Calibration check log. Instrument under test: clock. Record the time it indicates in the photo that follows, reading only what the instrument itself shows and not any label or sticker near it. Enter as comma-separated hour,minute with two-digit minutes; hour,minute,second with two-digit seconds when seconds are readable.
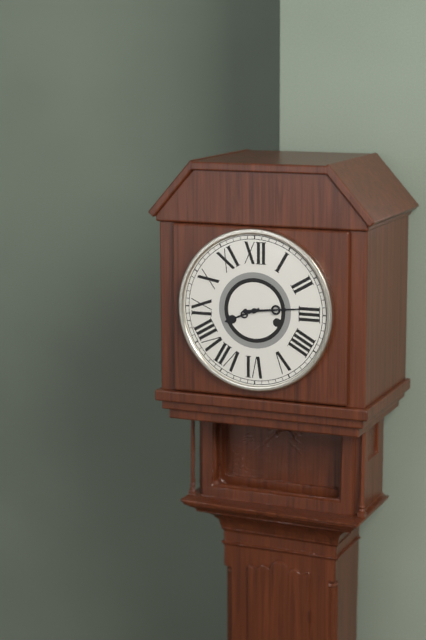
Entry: 8,14
